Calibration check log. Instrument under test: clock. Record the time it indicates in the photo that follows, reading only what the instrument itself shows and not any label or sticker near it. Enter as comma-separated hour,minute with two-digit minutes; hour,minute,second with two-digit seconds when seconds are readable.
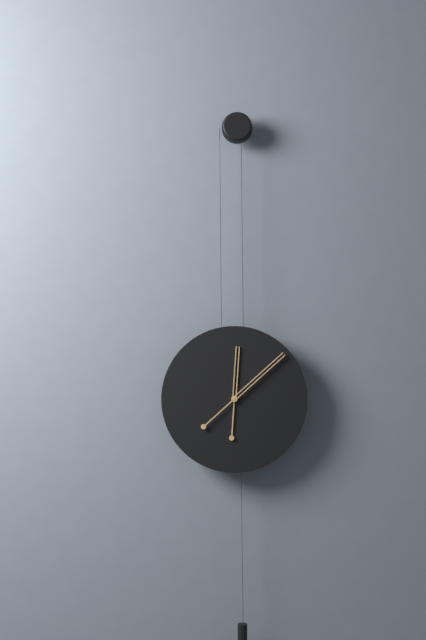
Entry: 12,08
